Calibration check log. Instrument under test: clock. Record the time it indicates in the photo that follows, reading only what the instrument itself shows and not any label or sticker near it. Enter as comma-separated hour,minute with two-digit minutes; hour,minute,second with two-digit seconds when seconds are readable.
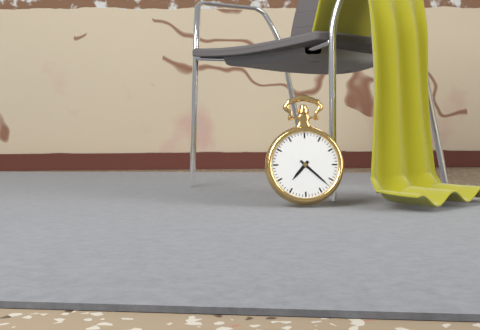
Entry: 7,22
